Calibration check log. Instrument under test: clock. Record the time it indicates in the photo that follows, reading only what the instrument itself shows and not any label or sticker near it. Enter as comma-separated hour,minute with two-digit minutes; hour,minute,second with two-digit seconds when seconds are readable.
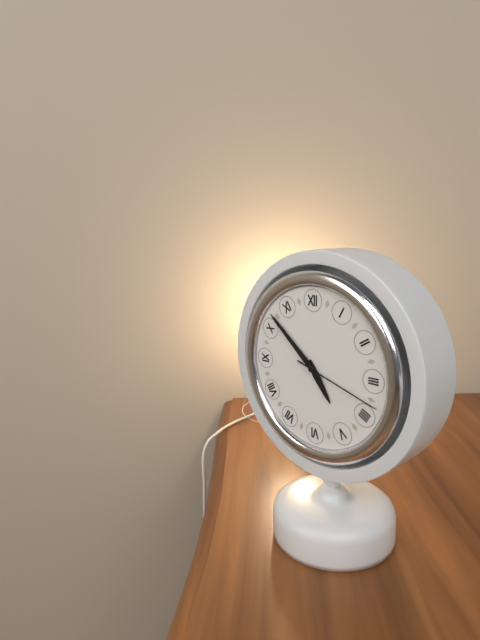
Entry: 4,52,18
